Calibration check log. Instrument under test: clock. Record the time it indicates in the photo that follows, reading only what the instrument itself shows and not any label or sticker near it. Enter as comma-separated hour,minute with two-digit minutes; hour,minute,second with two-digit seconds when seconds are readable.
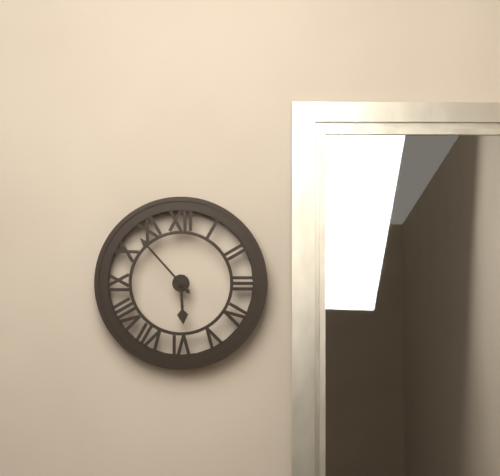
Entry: 5,53
